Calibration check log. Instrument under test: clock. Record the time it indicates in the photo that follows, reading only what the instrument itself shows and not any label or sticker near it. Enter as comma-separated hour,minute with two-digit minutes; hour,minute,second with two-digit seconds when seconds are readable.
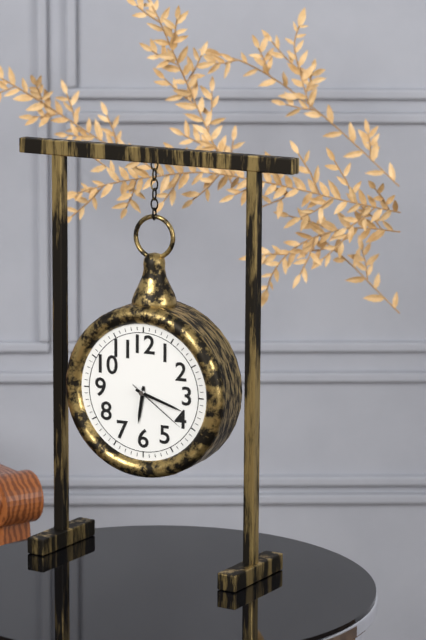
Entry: 6,18,21
